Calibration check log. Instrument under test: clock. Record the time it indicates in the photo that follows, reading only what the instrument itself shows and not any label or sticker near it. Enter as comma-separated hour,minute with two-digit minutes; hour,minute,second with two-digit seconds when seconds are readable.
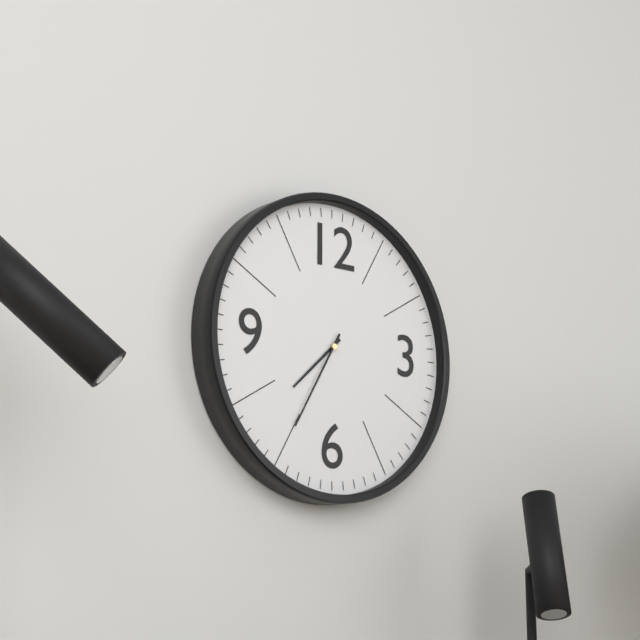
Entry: 7,35
